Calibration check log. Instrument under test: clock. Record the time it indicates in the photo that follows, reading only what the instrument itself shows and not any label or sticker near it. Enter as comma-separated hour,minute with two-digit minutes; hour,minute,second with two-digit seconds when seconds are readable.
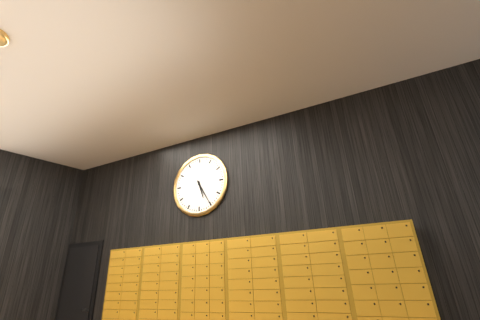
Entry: 5,25
